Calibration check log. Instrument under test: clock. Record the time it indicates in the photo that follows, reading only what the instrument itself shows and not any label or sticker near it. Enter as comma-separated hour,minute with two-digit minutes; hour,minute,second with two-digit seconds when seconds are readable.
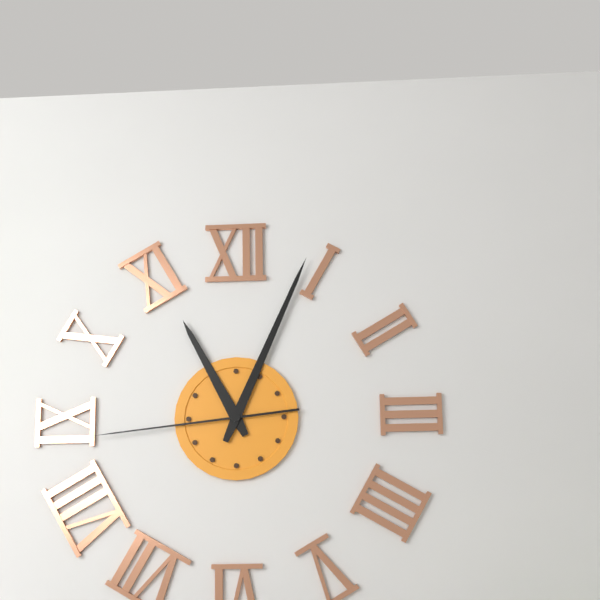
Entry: 11,04,44
